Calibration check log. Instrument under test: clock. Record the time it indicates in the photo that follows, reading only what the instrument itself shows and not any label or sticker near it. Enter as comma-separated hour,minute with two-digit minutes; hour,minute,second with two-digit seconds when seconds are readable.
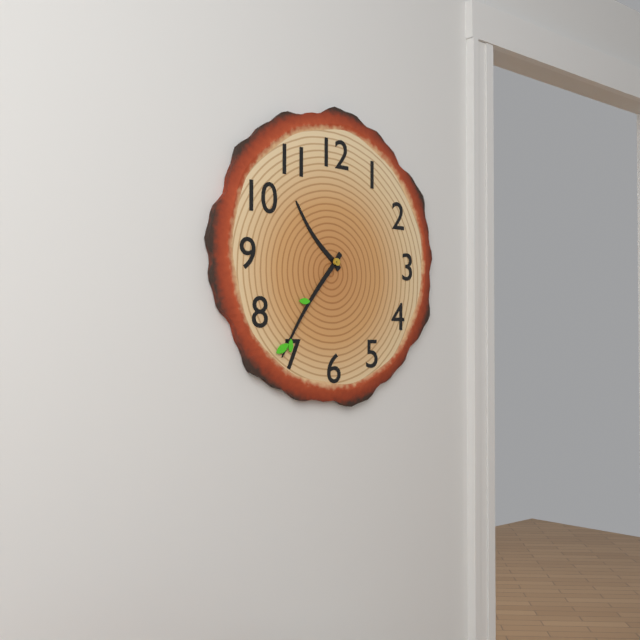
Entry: 10,36
